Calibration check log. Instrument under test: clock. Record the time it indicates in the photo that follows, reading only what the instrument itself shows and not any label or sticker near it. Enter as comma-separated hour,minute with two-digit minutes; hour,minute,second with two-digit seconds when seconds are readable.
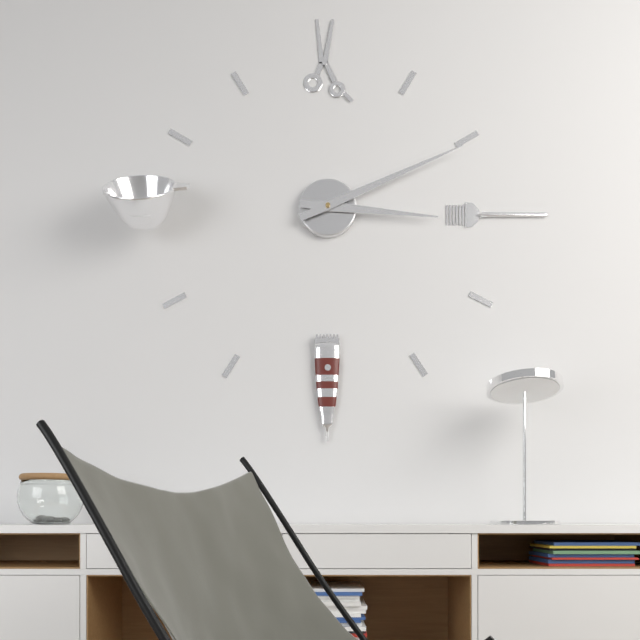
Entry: 3,11
